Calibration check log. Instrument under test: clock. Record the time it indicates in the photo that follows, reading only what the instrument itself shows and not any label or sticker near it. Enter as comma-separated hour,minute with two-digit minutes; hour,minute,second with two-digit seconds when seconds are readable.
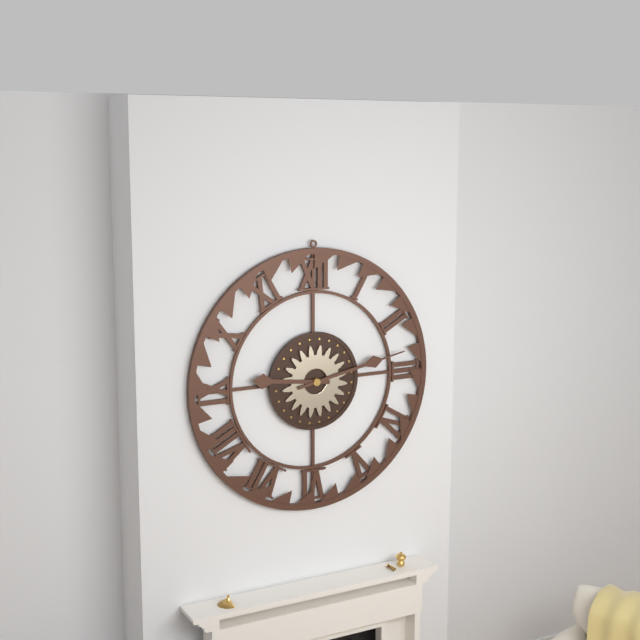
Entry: 9,13
